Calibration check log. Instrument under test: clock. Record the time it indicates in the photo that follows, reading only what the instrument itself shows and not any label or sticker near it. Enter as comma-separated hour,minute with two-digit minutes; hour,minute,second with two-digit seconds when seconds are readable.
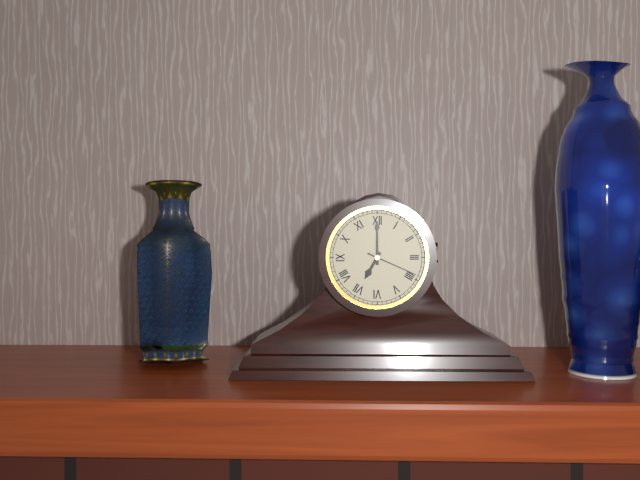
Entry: 7,00,19
